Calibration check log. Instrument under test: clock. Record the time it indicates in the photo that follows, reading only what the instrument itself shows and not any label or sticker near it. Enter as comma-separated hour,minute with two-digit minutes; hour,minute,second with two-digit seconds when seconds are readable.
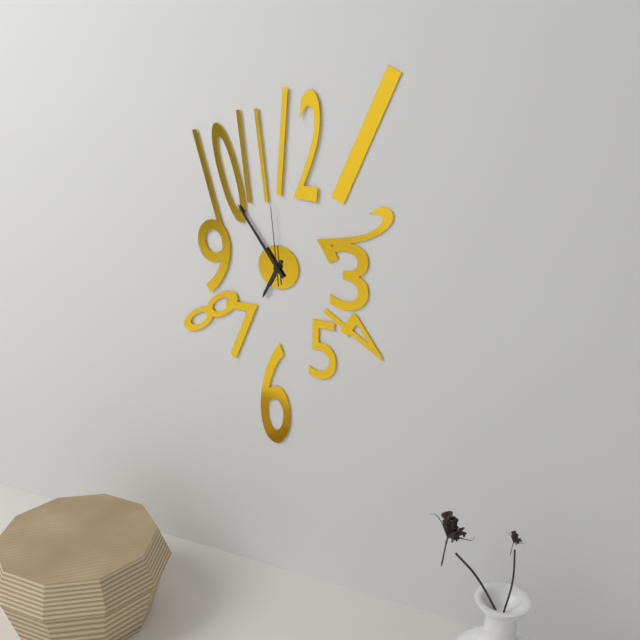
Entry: 6,54,59
